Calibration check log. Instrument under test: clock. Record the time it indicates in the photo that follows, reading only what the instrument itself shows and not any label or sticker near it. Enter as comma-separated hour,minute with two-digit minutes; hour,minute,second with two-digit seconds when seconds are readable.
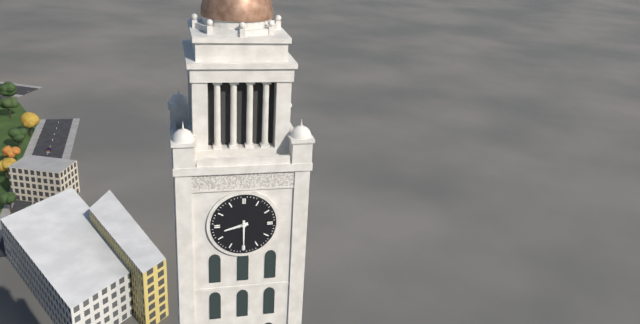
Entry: 8,30
